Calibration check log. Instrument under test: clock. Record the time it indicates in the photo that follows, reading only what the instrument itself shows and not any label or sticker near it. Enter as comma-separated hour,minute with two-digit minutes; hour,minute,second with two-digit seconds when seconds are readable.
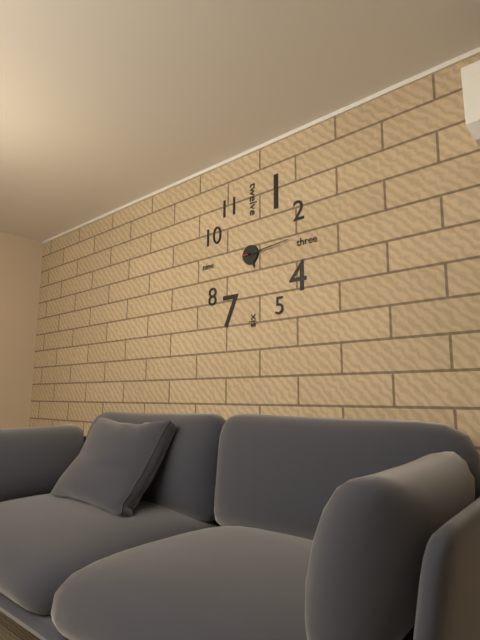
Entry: 5,14
